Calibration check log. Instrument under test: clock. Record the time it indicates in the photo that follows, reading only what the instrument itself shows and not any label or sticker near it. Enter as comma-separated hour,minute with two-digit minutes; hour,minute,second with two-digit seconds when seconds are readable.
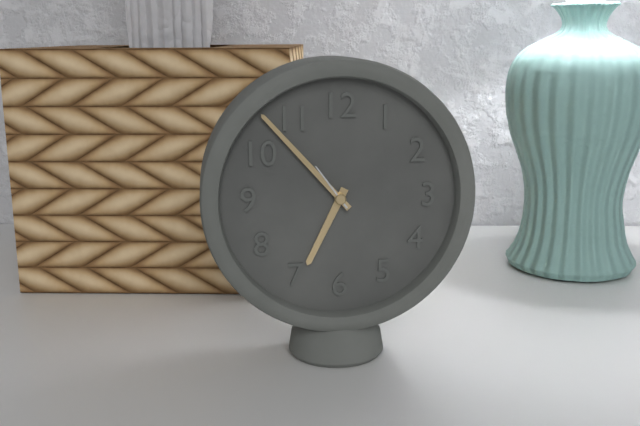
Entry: 6,53,54
